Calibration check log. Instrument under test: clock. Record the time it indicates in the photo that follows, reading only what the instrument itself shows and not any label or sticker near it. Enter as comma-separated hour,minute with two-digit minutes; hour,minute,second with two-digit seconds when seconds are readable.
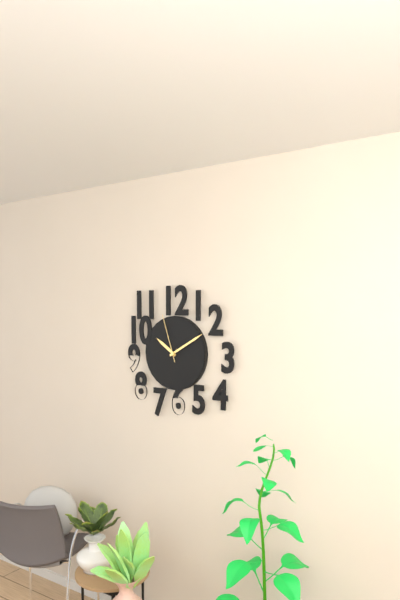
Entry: 10,10,57
